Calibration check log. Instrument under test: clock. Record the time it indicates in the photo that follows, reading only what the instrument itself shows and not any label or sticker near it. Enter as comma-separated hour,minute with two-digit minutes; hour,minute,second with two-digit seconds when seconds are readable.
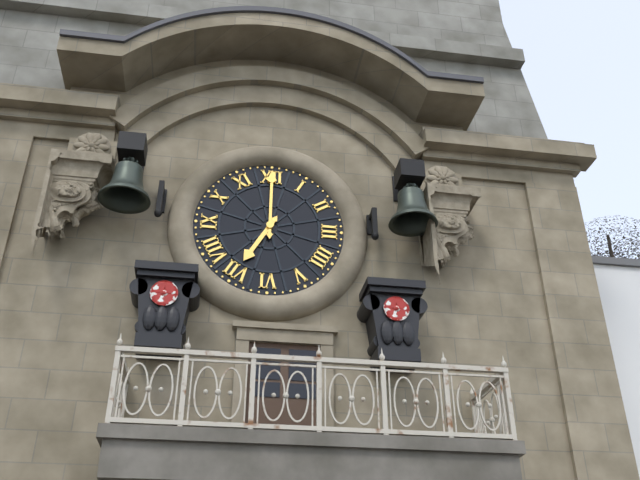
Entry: 7,00
